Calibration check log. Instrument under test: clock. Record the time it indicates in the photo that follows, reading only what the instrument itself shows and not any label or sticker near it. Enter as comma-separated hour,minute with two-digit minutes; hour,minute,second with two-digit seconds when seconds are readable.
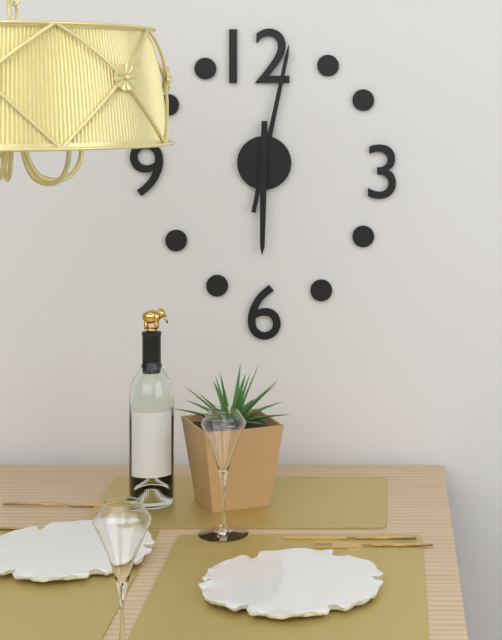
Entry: 6,02
